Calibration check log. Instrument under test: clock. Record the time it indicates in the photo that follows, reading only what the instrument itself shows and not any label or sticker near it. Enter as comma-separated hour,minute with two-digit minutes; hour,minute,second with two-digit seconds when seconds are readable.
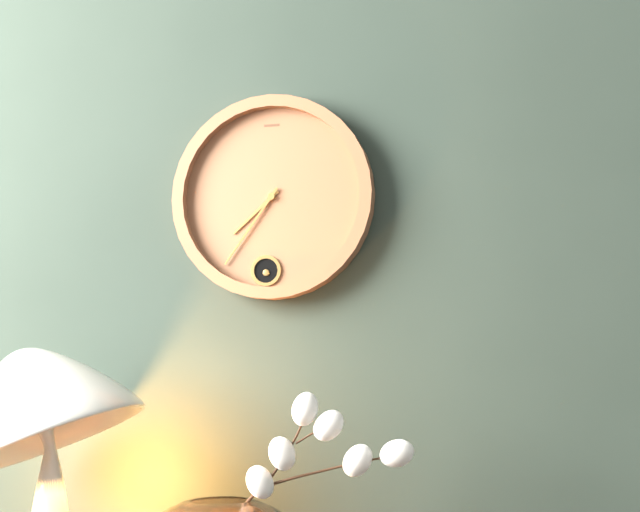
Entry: 7,36
